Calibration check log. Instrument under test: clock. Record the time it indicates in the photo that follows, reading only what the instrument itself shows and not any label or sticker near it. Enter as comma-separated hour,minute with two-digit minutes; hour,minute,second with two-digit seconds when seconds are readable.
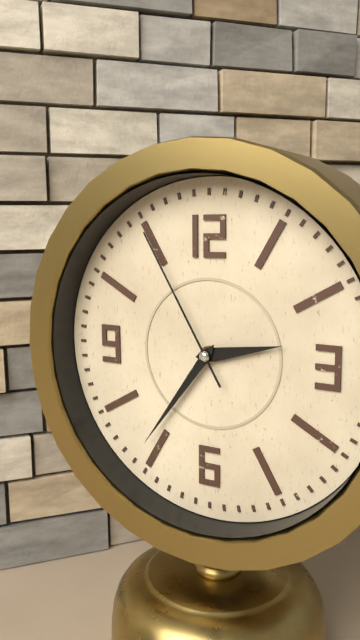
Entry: 2,36,55
